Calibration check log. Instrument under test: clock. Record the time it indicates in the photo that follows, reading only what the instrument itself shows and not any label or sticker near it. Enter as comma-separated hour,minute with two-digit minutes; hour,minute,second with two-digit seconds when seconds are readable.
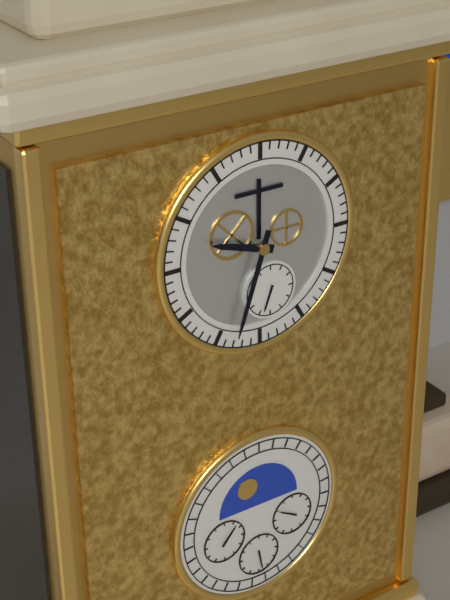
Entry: 9,33
